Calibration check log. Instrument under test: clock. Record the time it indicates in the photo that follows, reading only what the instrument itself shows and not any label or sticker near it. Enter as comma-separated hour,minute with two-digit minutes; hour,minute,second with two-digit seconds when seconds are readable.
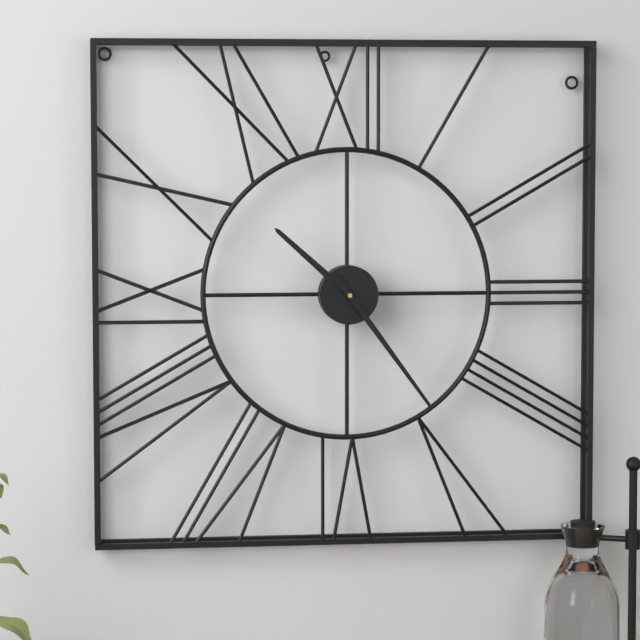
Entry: 10,24
